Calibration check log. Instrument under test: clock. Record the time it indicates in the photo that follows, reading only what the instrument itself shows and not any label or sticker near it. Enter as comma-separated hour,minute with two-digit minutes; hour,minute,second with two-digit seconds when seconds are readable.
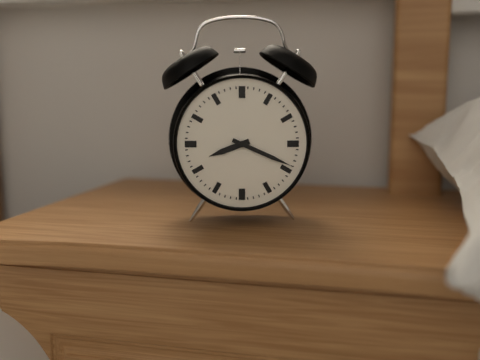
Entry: 8,19
